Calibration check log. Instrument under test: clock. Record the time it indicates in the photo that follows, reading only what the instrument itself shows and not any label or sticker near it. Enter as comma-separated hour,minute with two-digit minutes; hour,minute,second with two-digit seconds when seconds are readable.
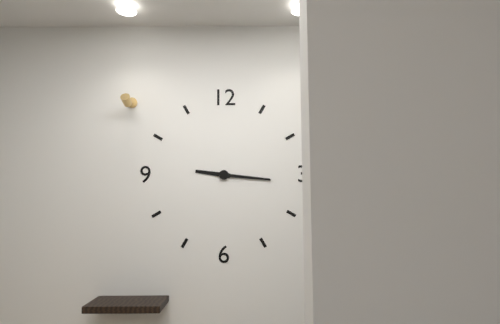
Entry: 9,16
